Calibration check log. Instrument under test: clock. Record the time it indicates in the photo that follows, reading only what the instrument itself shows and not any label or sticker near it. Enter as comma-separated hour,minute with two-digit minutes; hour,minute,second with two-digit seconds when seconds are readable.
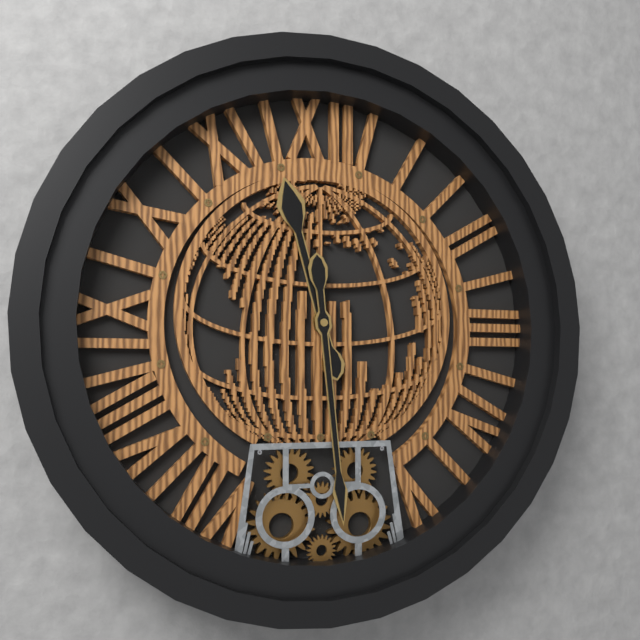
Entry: 11,29
